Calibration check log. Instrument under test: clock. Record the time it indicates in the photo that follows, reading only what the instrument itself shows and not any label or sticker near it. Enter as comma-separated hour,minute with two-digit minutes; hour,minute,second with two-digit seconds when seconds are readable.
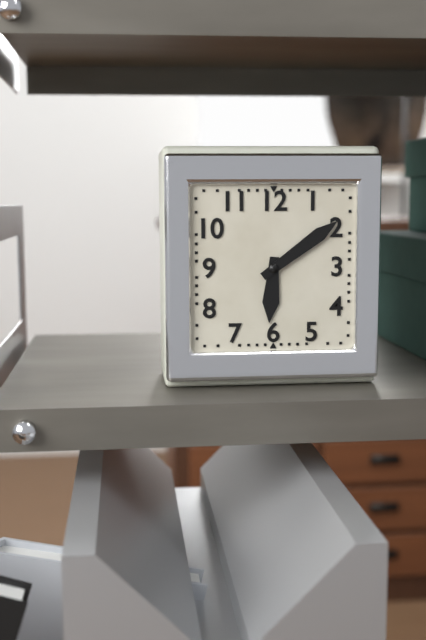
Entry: 6,09
